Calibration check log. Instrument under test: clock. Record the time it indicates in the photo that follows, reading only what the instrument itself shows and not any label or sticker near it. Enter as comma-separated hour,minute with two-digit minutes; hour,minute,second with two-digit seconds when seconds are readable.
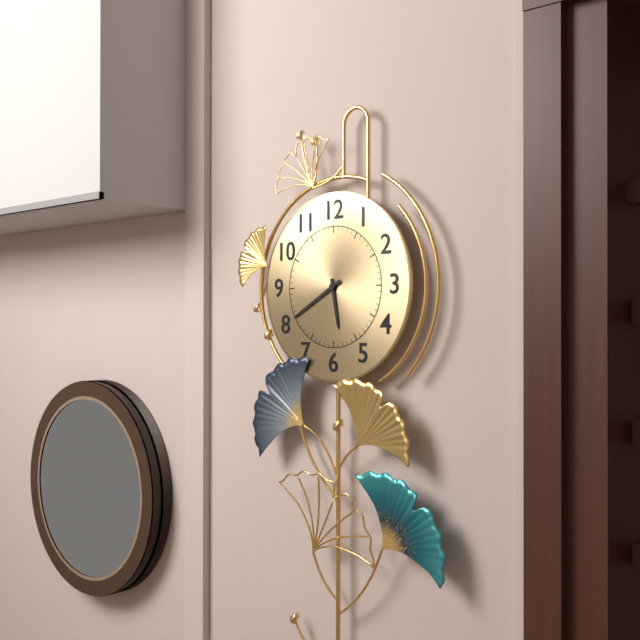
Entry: 5,40
